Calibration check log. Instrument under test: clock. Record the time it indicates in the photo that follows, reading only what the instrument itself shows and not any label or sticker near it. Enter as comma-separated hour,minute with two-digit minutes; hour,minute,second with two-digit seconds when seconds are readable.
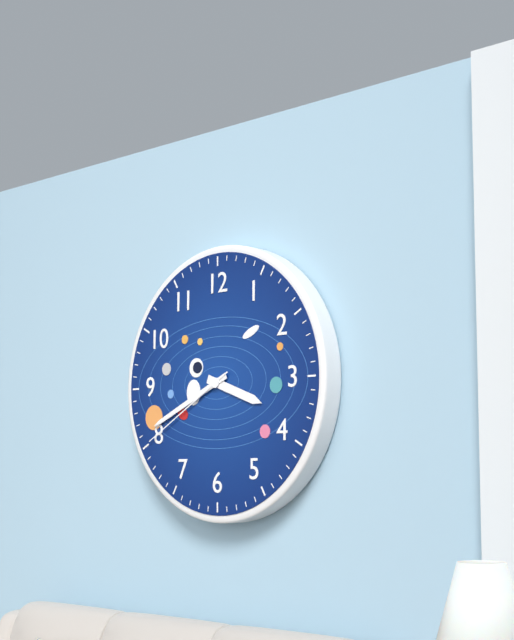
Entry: 3,41,40
